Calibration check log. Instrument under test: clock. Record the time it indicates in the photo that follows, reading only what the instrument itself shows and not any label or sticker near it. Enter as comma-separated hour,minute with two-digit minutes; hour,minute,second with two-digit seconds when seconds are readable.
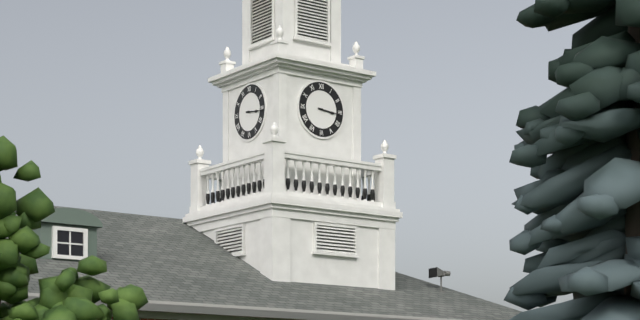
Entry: 3,16
